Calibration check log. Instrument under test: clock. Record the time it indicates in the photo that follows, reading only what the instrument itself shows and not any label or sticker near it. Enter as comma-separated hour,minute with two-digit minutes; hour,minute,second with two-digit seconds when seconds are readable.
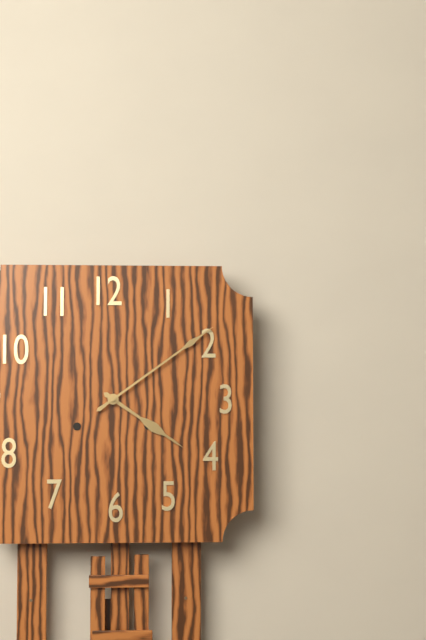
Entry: 4,09
